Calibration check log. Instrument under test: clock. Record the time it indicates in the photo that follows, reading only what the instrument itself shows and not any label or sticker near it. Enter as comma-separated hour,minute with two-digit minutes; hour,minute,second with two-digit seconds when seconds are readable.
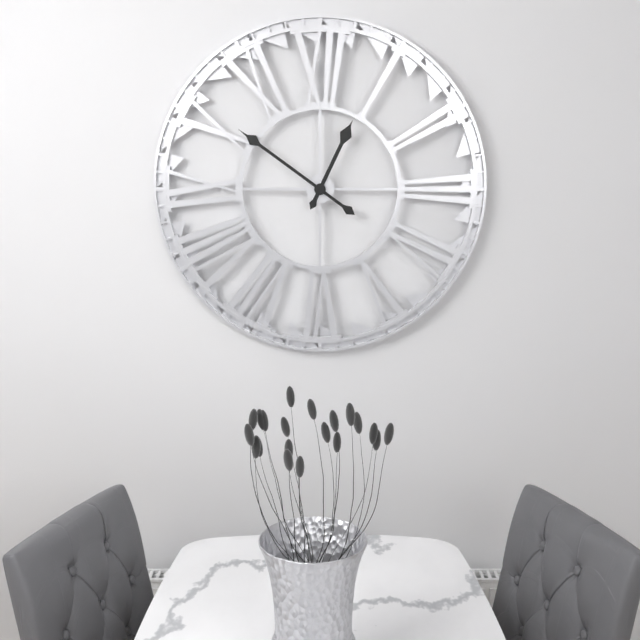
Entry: 12,51
